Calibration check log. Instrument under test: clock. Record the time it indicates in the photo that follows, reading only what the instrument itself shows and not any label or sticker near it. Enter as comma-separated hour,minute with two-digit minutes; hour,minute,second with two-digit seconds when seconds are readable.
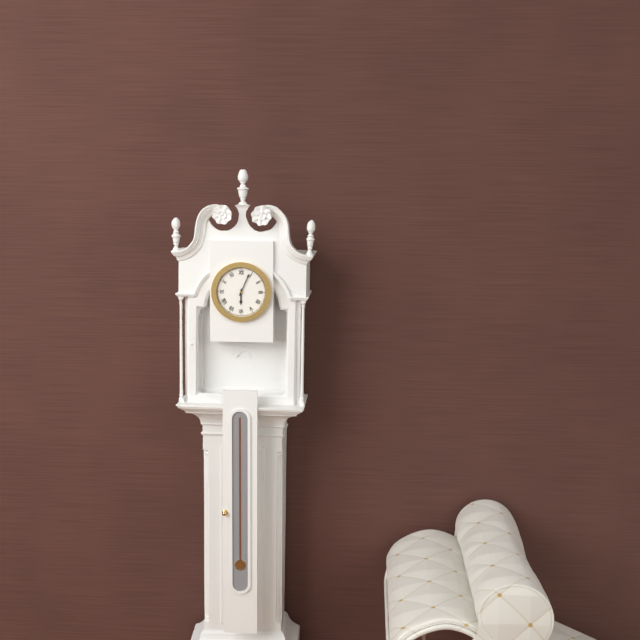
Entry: 6,04
